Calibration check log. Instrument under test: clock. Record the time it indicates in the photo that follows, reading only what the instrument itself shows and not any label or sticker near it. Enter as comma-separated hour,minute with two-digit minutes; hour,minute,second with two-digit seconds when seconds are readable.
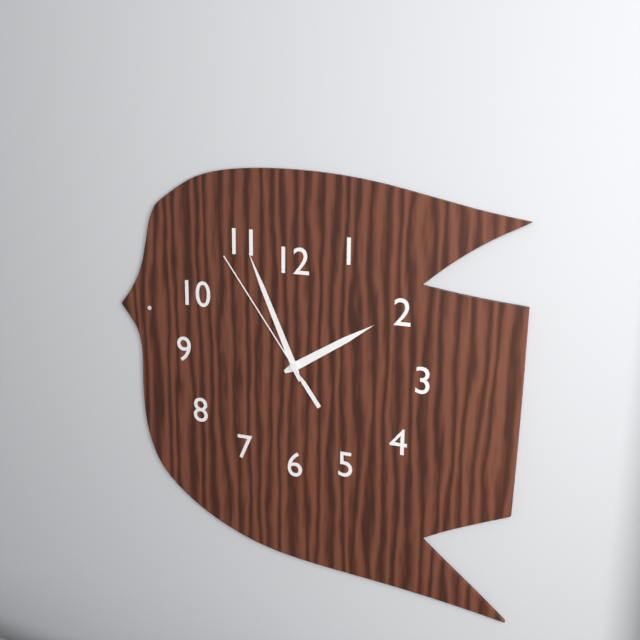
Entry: 1,56,54
